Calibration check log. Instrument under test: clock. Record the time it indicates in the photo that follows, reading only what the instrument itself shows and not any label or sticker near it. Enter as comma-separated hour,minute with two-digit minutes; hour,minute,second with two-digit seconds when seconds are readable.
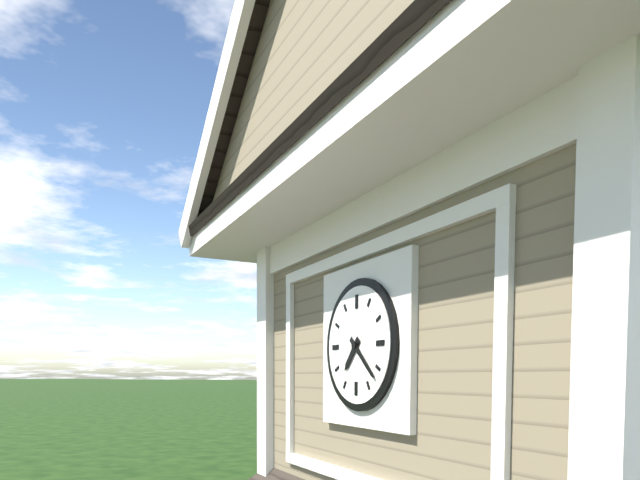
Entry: 7,22
